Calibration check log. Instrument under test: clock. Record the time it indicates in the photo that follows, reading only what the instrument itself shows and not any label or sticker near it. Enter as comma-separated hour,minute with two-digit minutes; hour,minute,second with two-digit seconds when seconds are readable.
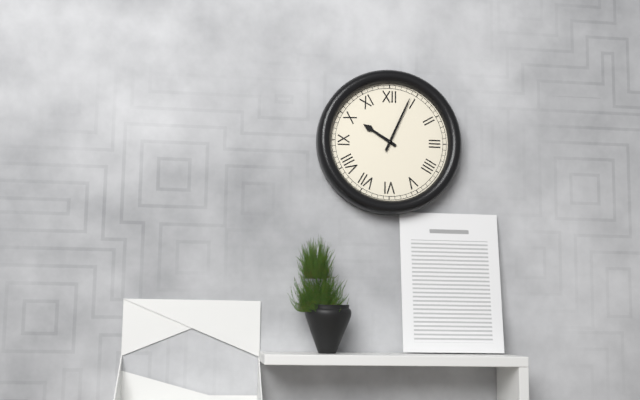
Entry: 10,04
